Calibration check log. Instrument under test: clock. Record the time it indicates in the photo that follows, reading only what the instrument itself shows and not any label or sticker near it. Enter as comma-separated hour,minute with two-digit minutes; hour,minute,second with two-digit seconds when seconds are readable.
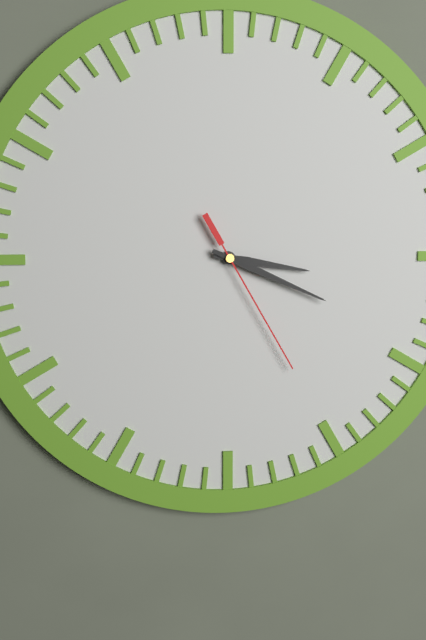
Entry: 3,19,25
